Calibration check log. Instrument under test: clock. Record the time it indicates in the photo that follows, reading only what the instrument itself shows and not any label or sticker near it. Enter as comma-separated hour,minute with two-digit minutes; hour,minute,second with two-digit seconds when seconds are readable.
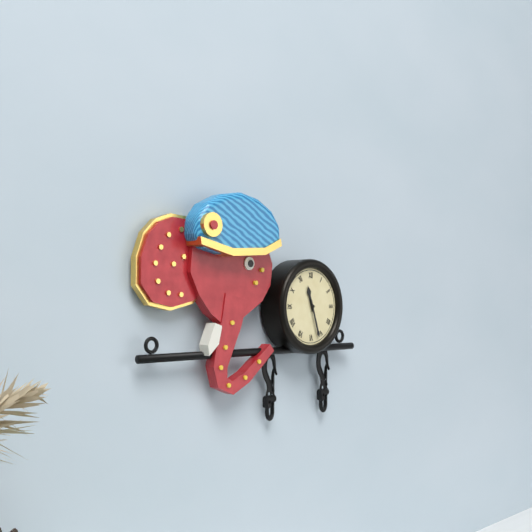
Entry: 11,27
